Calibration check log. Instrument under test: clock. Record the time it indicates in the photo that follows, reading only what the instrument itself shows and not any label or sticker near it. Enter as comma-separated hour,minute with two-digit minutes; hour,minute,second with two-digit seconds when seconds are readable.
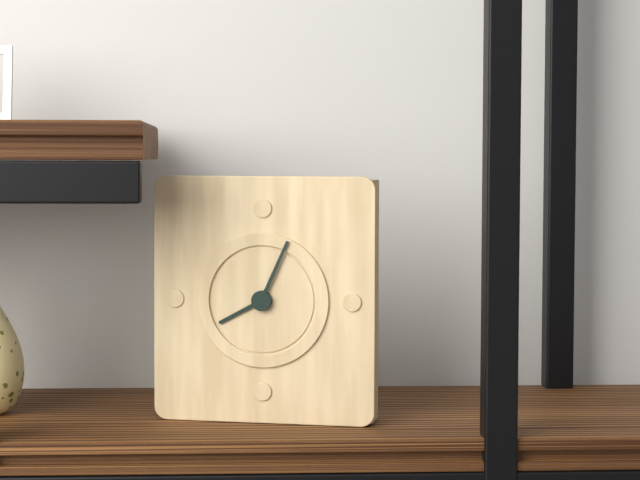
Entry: 8,04
